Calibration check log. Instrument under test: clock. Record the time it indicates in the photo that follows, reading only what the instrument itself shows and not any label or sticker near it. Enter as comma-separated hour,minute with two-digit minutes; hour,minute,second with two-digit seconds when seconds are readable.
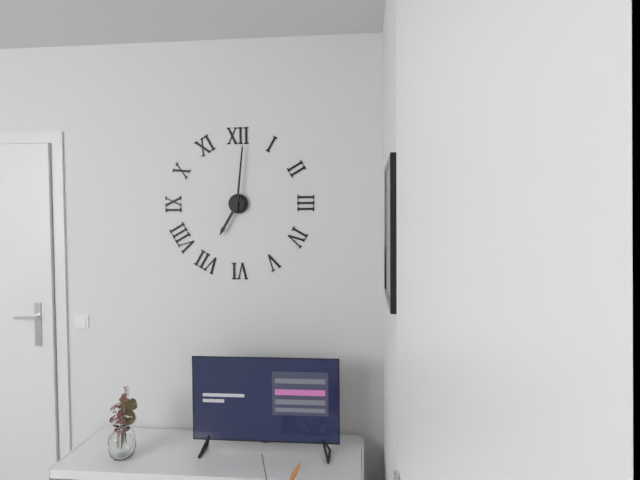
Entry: 7,01
